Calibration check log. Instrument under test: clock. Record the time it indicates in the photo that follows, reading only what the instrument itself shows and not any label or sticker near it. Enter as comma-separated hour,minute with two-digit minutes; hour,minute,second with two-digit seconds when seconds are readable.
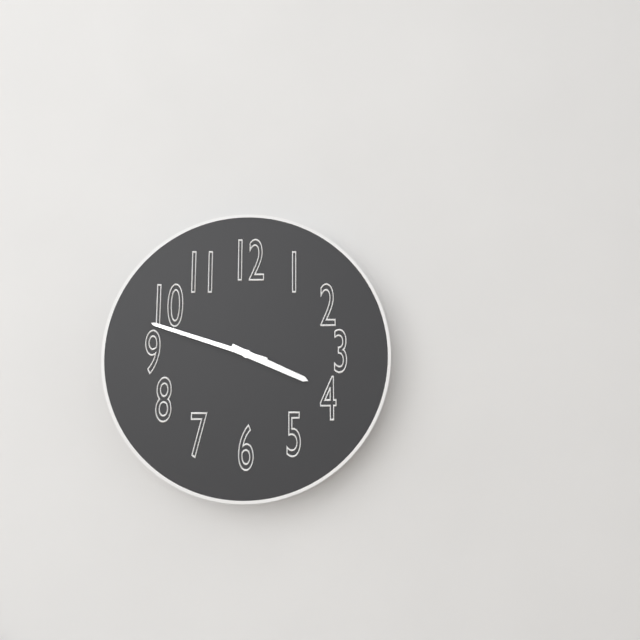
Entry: 3,48
